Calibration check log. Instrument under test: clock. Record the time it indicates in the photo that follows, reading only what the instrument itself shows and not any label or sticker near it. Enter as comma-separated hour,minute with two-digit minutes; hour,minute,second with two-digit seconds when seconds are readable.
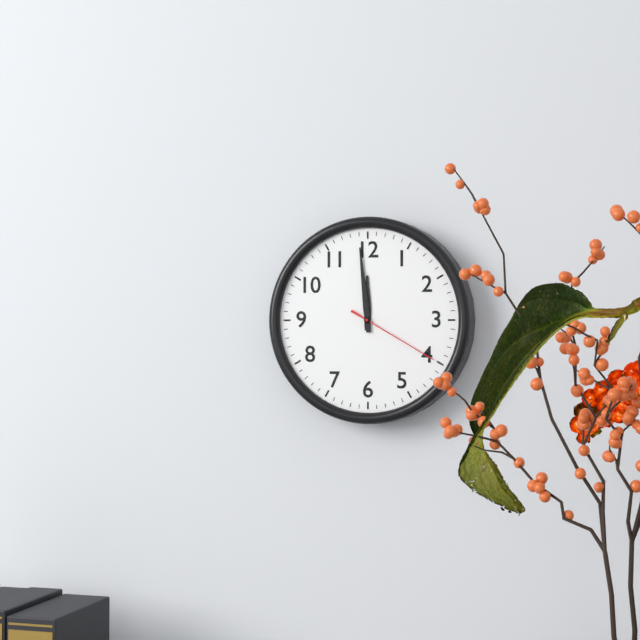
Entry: 11,59,20
